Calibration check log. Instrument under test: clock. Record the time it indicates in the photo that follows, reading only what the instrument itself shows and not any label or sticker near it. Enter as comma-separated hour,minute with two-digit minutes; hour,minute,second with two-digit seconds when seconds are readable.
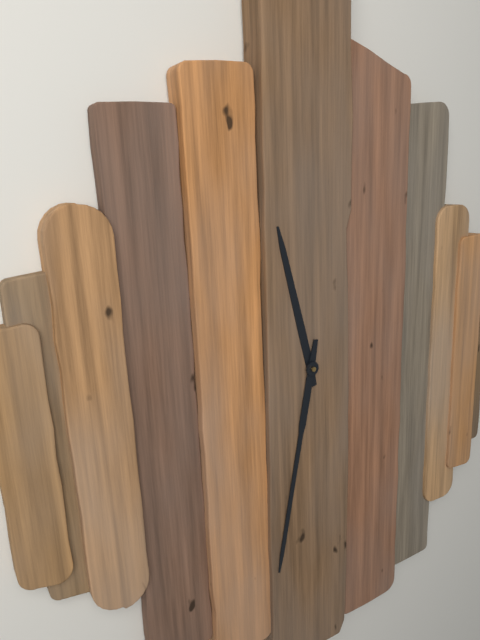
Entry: 11,32
